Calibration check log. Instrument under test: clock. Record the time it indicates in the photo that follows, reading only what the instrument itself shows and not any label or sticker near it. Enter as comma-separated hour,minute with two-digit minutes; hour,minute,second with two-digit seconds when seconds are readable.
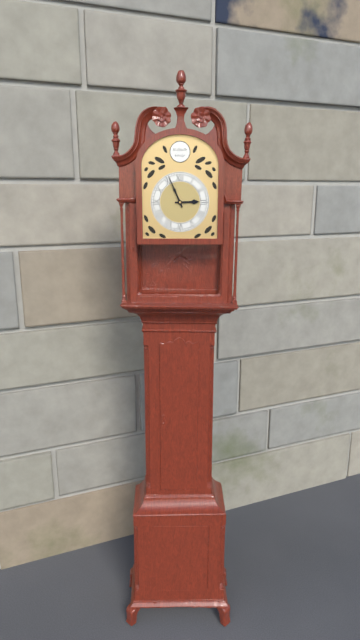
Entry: 2,56
